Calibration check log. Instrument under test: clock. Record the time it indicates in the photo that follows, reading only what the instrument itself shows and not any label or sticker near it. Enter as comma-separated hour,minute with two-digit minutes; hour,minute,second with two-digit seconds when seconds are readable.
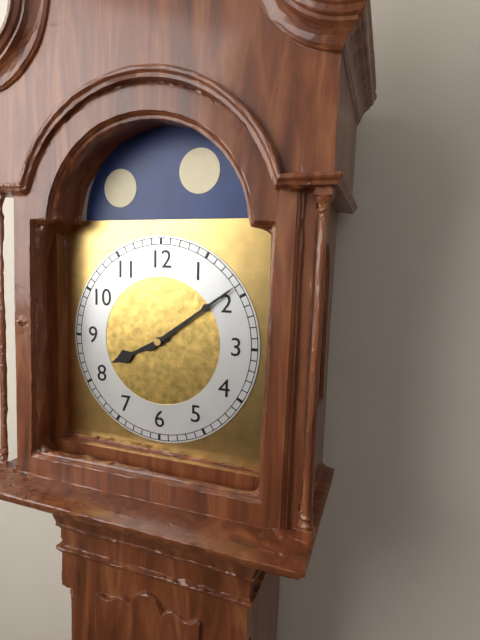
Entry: 8,09
